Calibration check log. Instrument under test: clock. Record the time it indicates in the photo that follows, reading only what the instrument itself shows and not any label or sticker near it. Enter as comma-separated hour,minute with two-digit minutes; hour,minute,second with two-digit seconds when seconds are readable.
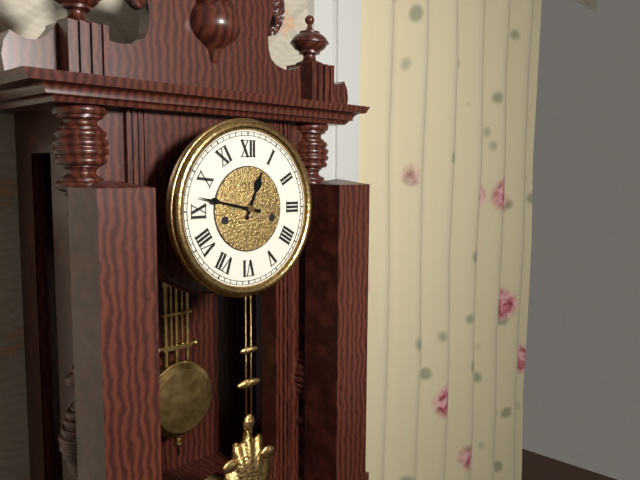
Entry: 12,47
